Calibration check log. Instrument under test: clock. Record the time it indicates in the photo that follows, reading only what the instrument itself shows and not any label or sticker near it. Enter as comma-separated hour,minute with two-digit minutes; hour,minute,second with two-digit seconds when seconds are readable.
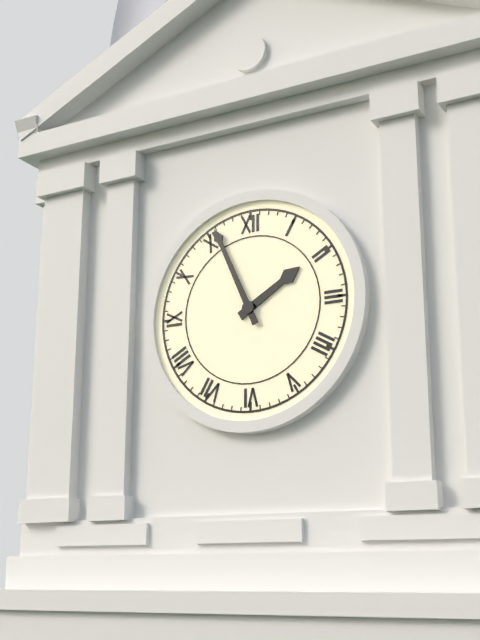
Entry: 1,56
